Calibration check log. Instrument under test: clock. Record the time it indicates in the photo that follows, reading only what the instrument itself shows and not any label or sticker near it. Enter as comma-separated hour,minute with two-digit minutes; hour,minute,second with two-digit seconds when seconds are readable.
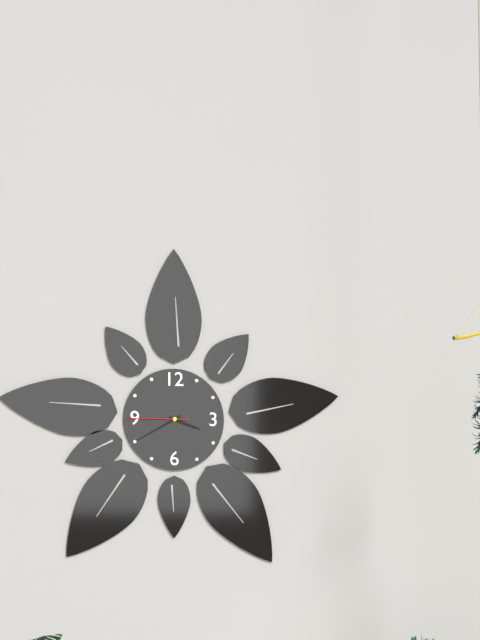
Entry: 3,40,45
